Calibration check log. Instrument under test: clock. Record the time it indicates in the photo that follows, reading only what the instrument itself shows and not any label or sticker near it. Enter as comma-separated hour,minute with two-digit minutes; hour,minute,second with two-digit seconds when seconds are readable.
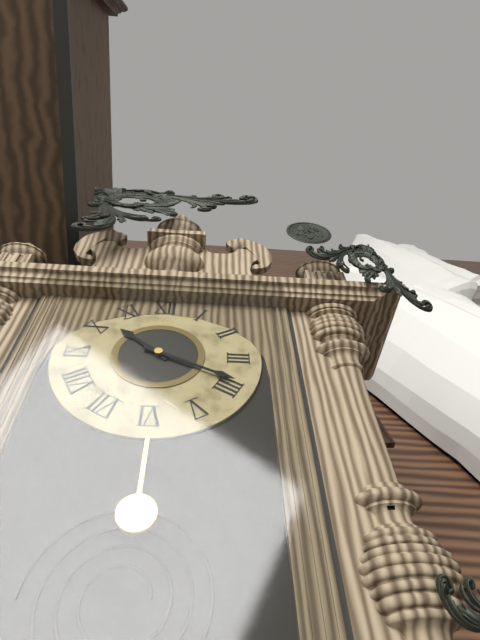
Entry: 10,19
